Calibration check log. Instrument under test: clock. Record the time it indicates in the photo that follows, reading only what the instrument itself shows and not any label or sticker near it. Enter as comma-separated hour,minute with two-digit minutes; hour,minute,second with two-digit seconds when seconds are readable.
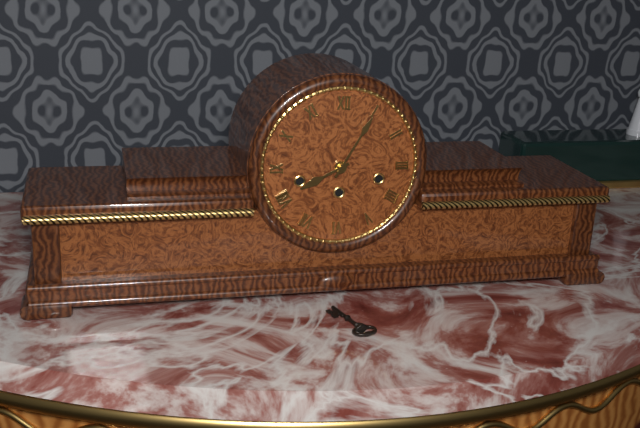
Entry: 8,05
